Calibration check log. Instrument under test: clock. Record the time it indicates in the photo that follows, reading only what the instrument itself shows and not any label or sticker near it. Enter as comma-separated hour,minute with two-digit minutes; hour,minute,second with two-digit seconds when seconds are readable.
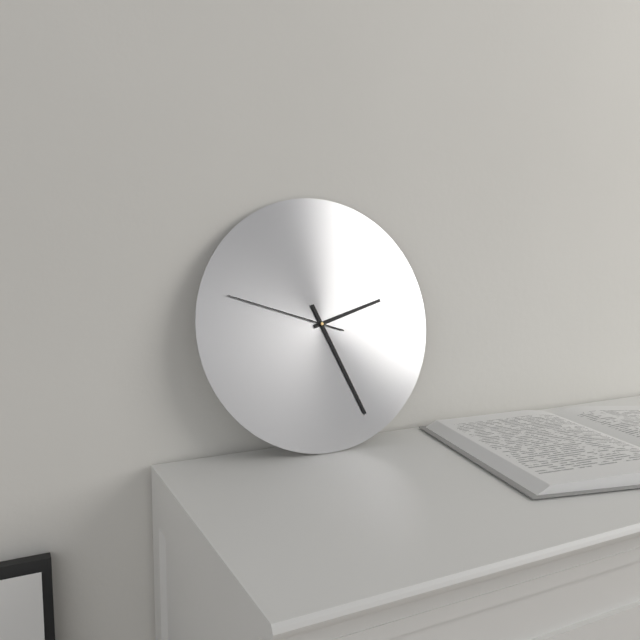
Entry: 2,26,48
